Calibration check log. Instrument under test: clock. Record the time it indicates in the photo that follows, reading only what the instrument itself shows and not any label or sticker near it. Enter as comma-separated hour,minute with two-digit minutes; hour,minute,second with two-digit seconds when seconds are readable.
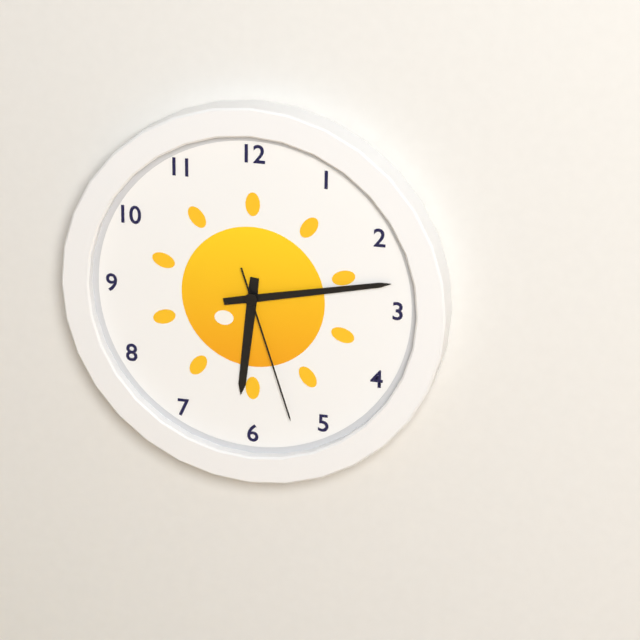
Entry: 6,13,27
